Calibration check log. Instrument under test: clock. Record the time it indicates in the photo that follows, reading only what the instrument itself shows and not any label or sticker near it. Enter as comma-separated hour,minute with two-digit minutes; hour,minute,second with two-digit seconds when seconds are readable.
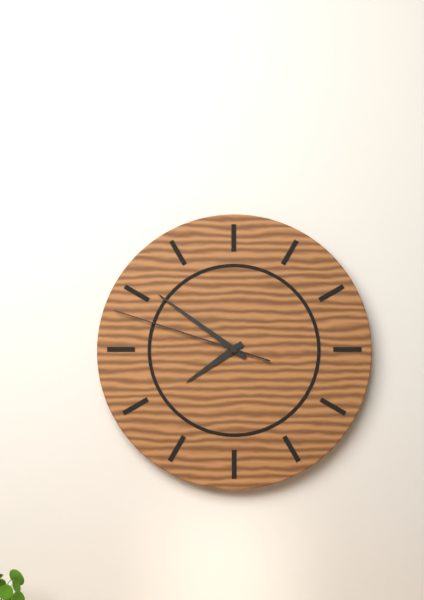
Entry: 7,51,48
